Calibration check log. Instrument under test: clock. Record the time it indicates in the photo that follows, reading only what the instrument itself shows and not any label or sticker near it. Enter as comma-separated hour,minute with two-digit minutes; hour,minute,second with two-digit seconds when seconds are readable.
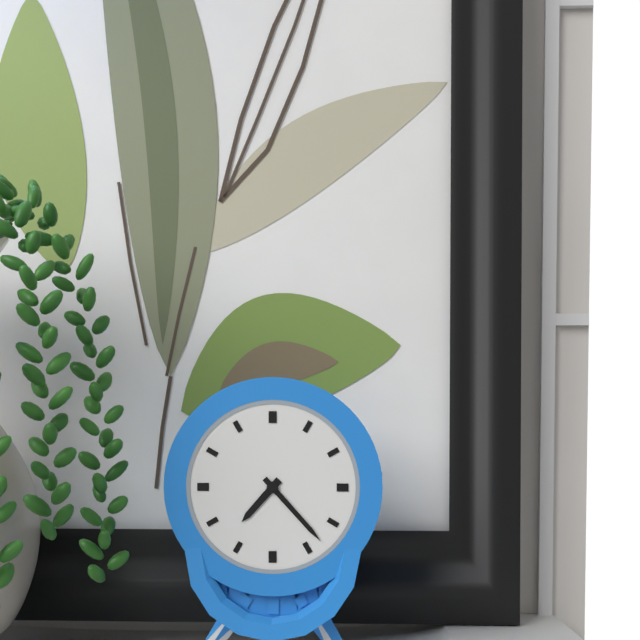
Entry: 7,23
